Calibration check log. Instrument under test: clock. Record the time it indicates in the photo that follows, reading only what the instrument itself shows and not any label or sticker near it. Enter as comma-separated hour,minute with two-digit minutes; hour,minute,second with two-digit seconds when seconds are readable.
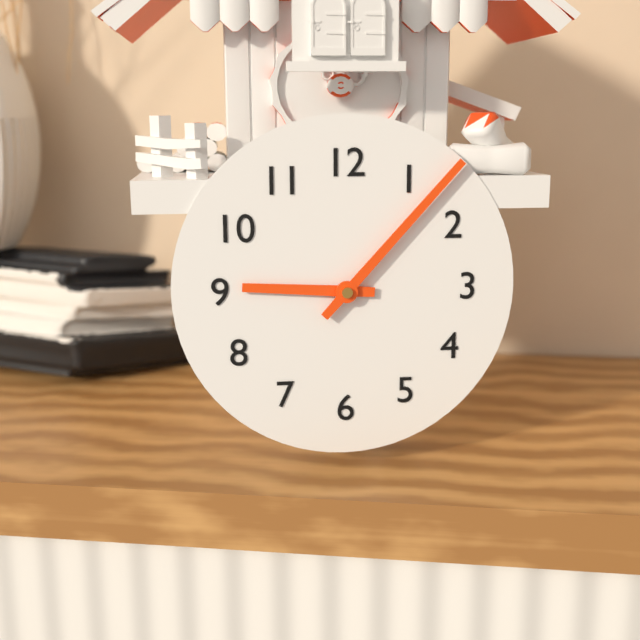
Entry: 9,07
